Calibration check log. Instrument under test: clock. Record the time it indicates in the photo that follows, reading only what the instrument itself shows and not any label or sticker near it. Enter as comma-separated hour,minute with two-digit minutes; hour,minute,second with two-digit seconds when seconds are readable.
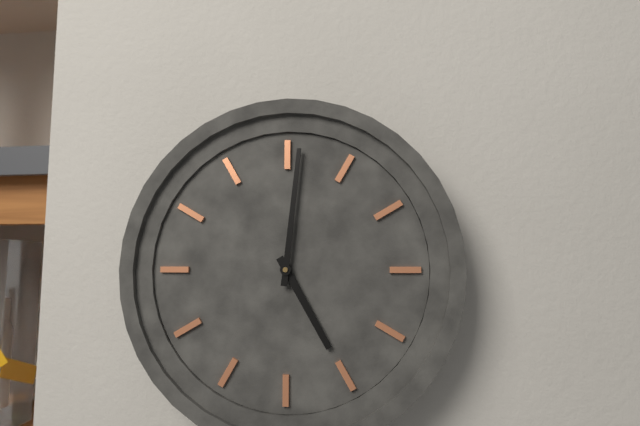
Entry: 5,01
